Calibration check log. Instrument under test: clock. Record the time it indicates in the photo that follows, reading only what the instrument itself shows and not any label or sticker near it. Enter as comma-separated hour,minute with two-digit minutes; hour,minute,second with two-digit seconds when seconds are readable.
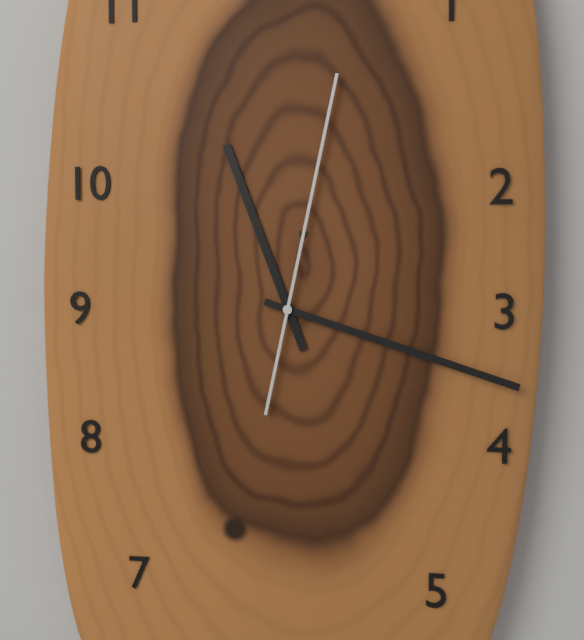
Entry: 11,18,02
